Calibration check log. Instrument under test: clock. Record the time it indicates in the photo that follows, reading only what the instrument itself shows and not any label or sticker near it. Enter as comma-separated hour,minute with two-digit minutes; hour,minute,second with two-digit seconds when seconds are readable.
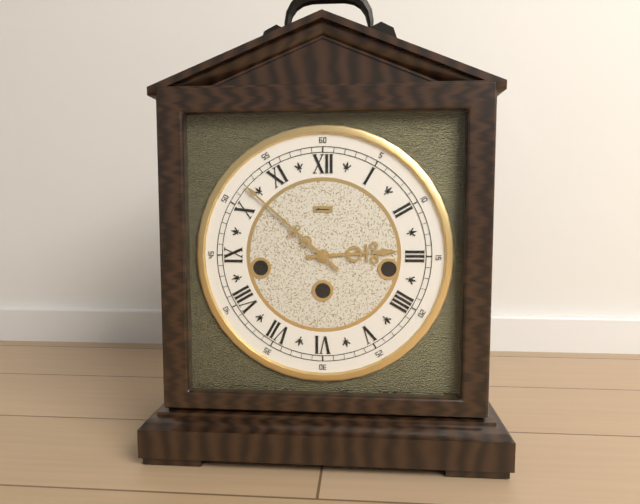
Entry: 2,52
